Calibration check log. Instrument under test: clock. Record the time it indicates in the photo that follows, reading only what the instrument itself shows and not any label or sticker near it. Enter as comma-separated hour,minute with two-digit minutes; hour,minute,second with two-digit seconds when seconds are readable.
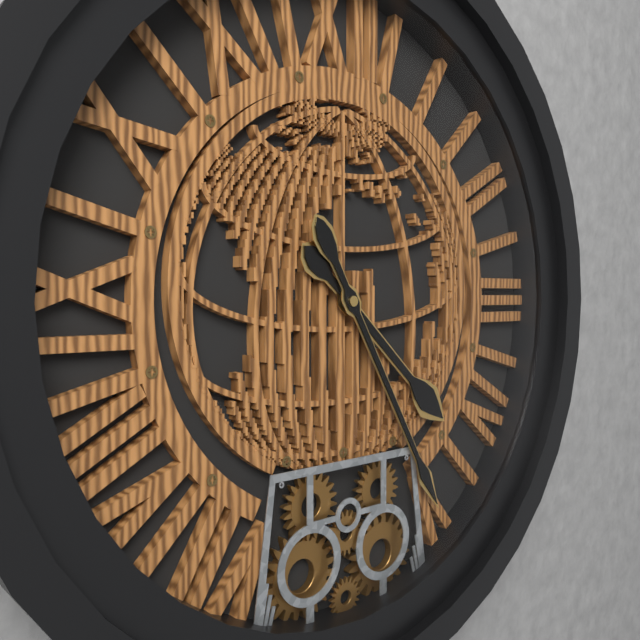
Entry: 4,25
